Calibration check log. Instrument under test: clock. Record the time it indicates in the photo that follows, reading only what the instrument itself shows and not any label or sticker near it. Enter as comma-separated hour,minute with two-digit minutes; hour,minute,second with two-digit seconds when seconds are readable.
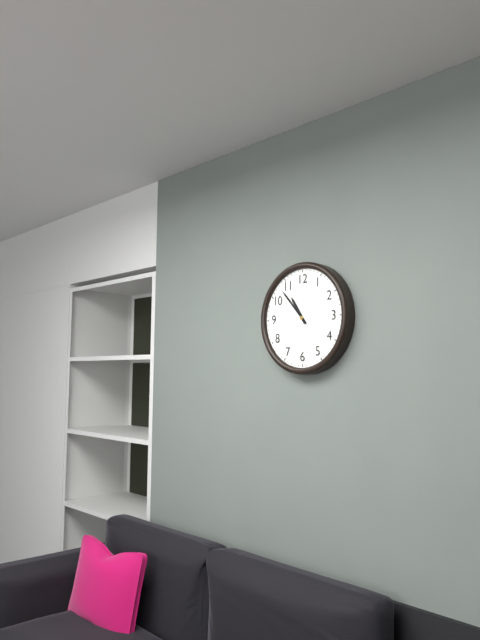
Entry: 10,53
